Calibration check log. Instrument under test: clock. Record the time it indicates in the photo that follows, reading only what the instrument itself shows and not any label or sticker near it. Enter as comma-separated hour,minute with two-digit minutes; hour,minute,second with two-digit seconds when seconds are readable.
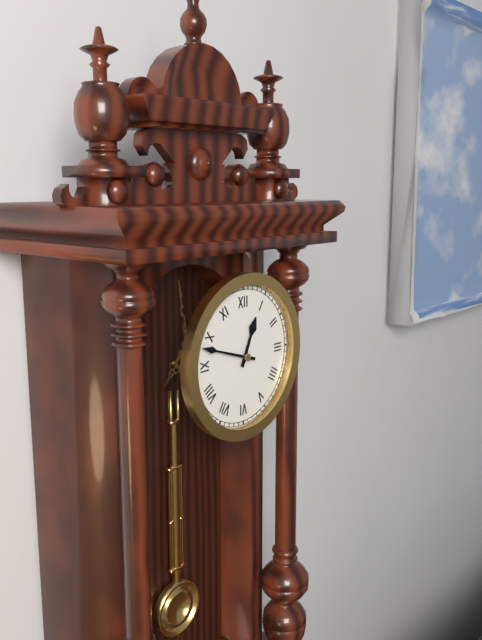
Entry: 12,48
